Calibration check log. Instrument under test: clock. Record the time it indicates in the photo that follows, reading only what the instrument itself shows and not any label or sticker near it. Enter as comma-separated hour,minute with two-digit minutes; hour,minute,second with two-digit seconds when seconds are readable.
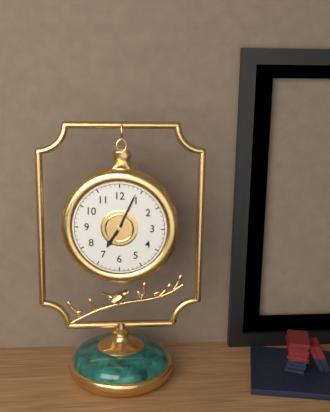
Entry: 7,04
